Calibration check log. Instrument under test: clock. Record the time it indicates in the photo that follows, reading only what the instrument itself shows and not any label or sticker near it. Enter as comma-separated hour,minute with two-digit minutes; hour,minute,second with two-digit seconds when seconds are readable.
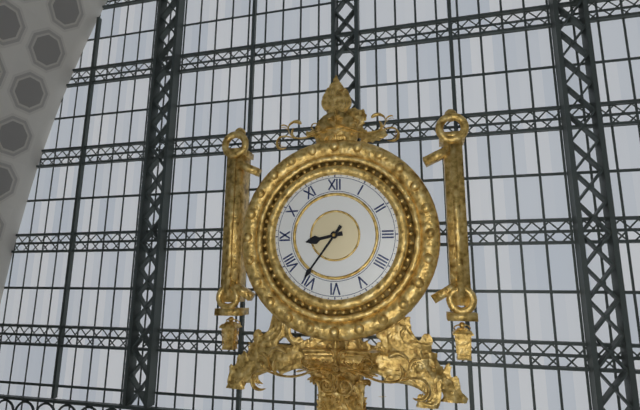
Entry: 8,36
